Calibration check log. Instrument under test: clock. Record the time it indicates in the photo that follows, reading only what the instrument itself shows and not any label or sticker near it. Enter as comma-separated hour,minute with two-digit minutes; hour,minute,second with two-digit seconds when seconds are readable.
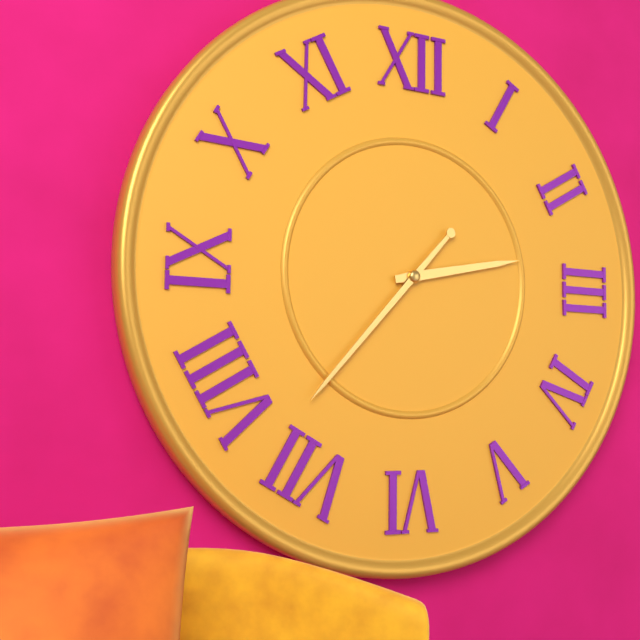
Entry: 2,37
